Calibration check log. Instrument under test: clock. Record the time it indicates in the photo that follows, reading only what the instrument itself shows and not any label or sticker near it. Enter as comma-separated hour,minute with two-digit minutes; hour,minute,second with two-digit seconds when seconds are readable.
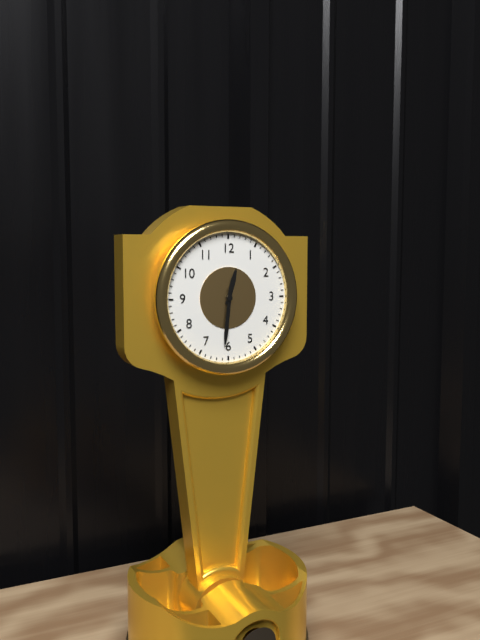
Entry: 12,31
